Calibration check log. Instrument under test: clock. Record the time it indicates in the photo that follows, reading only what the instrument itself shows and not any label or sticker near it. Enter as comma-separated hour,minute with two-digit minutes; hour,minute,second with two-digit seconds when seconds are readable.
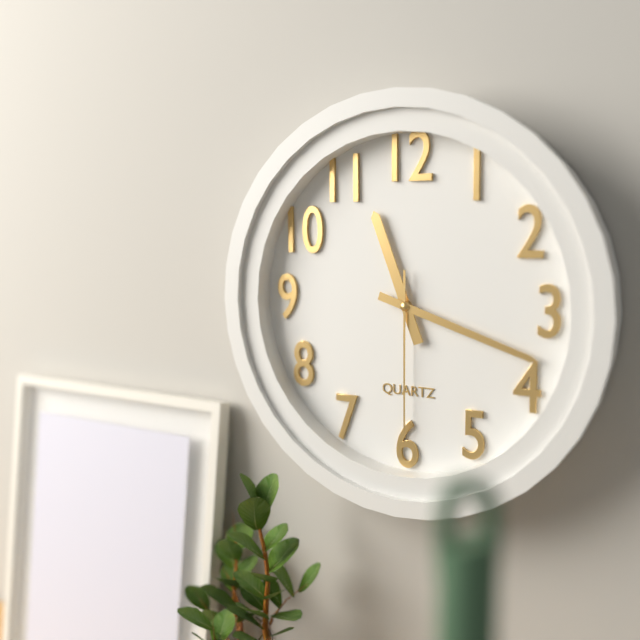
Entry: 11,18,30
